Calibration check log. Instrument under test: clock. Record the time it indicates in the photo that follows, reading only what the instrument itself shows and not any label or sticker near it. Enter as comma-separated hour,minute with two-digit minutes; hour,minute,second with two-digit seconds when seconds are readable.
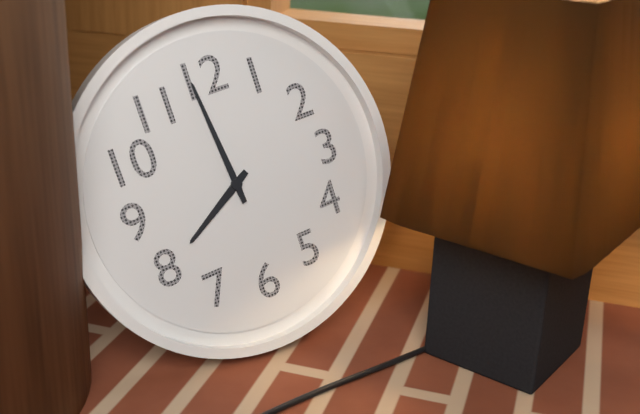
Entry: 7,59
